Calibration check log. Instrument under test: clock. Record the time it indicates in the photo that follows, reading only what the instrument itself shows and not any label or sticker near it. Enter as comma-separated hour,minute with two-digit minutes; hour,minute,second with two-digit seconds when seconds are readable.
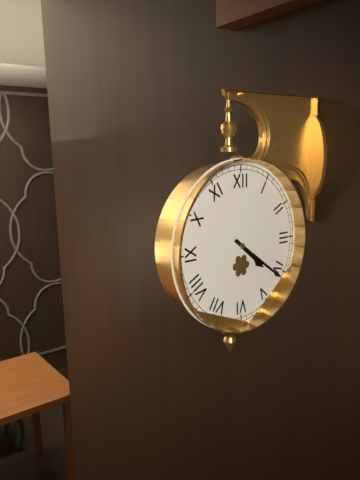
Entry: 4,21
